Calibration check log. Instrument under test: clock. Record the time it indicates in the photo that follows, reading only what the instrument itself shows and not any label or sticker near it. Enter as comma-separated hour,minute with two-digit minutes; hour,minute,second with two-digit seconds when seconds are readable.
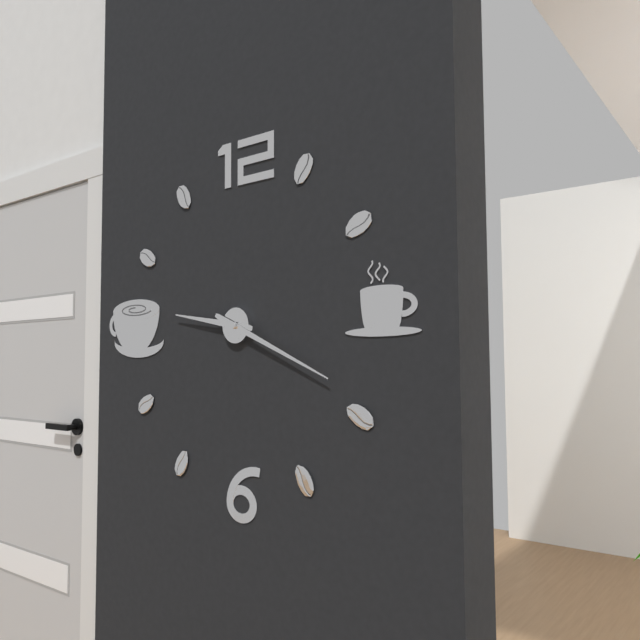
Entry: 9,19
